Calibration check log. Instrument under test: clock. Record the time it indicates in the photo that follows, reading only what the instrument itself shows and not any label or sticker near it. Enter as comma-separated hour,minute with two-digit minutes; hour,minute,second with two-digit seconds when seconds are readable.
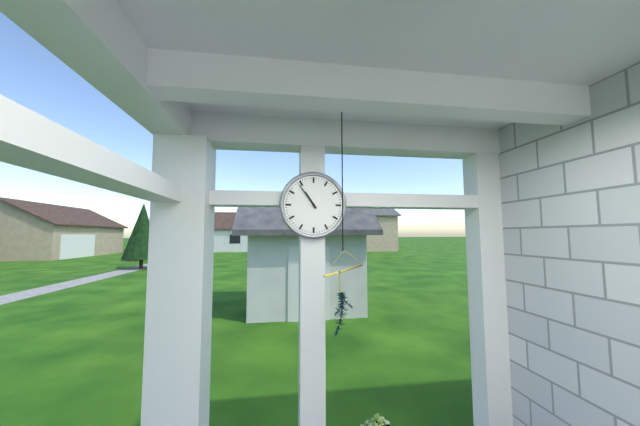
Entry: 10,54
